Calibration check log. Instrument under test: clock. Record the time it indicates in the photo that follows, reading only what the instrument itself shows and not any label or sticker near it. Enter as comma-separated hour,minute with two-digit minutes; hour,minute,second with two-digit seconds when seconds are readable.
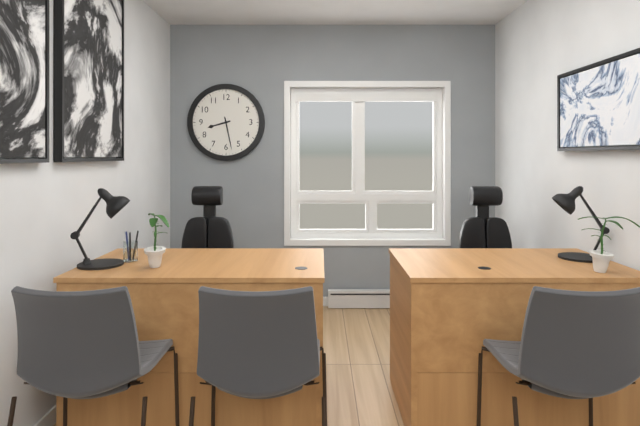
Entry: 8,28
